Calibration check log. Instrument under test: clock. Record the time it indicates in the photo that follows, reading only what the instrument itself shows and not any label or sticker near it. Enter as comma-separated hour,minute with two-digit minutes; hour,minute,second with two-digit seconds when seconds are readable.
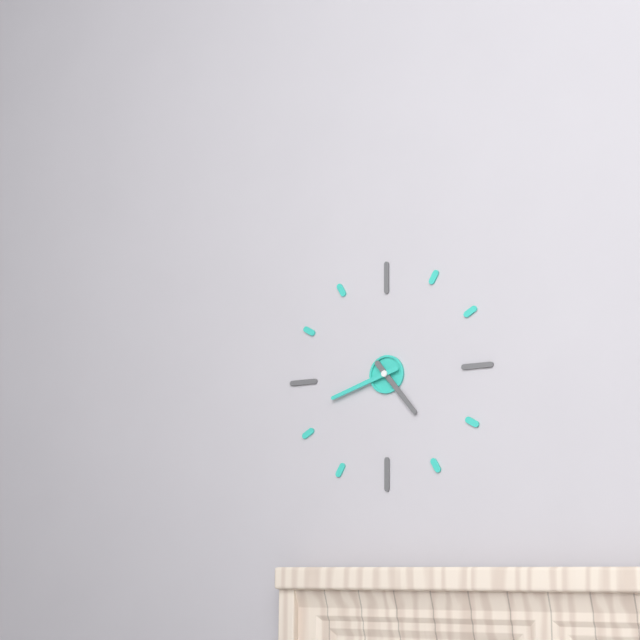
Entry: 4,42
